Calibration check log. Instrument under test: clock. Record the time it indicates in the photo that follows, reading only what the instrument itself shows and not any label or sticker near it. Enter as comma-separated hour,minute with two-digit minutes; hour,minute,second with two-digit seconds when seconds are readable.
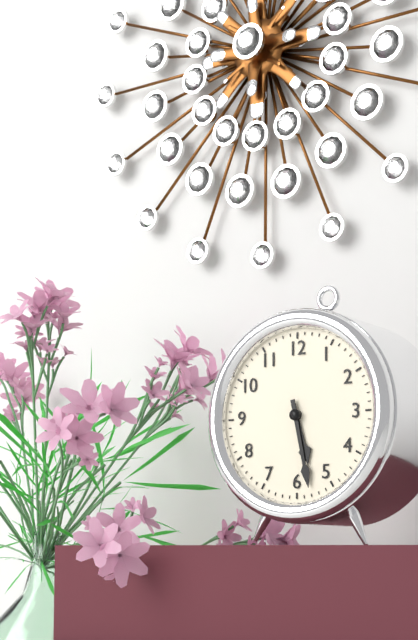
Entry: 5,28
